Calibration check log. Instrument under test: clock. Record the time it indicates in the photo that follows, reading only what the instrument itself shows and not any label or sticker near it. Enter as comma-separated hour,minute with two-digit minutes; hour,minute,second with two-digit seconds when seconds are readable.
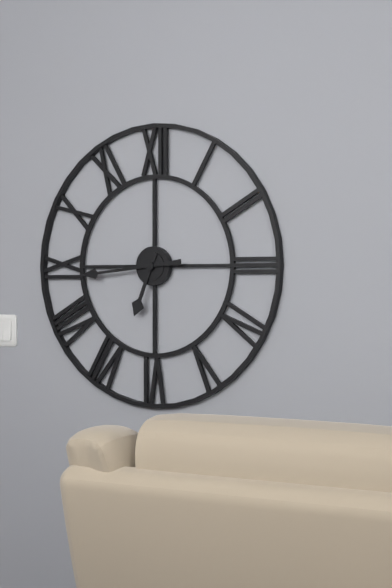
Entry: 6,44
